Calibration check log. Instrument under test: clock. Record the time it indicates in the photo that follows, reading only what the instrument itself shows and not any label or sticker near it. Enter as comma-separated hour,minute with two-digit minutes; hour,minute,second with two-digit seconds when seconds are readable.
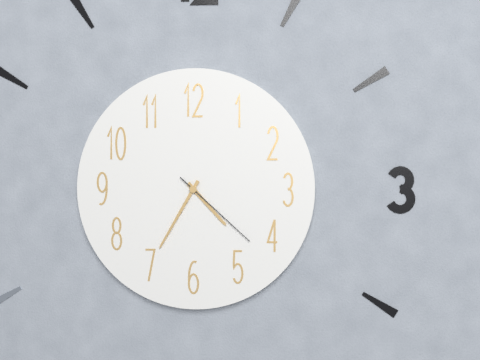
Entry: 4,35,22
